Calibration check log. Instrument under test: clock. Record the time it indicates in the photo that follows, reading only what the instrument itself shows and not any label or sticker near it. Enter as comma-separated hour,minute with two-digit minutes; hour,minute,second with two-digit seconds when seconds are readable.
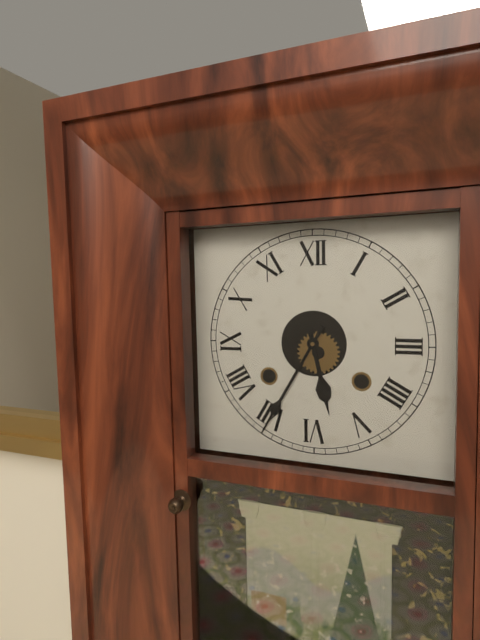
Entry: 5,35
